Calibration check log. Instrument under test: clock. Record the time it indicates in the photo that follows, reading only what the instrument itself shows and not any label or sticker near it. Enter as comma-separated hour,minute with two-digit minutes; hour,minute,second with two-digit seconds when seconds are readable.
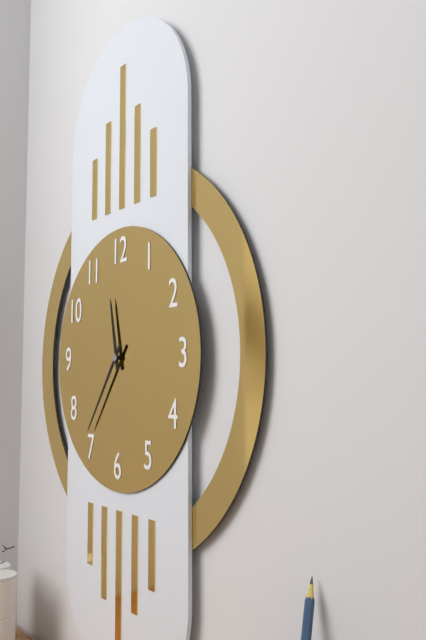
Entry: 11,36
